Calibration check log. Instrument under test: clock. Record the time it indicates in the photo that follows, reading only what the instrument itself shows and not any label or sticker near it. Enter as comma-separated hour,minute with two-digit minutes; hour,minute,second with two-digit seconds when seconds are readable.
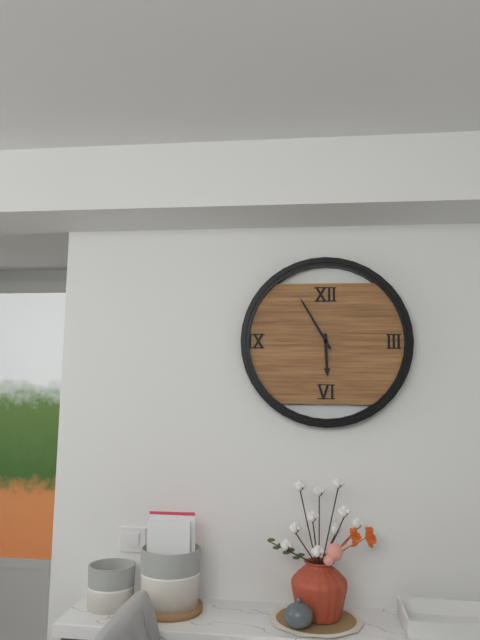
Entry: 5,55
